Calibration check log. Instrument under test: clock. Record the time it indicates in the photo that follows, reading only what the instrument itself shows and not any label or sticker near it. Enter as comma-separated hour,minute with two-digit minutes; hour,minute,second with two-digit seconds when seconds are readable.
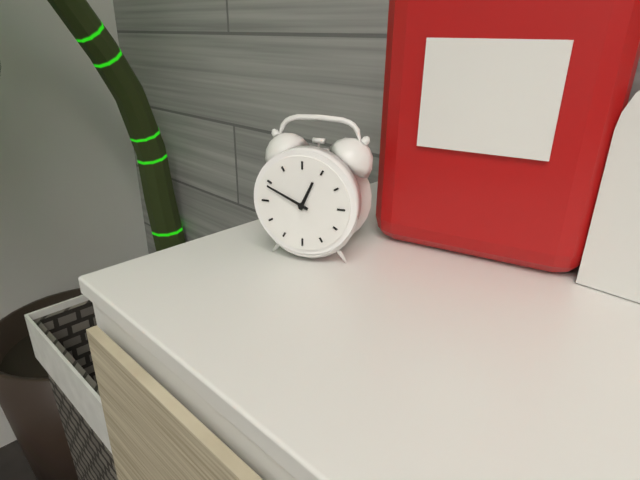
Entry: 12,49
